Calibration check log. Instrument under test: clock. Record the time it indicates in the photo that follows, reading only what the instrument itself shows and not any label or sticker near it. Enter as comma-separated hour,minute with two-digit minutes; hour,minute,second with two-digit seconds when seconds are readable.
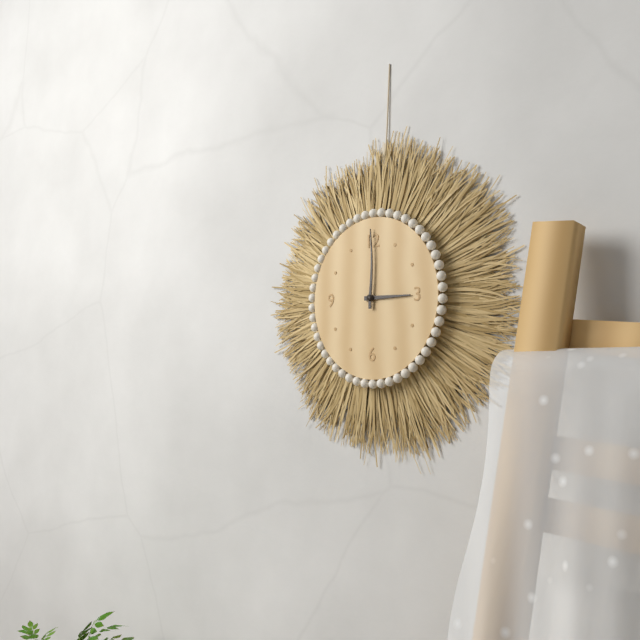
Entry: 3,00
